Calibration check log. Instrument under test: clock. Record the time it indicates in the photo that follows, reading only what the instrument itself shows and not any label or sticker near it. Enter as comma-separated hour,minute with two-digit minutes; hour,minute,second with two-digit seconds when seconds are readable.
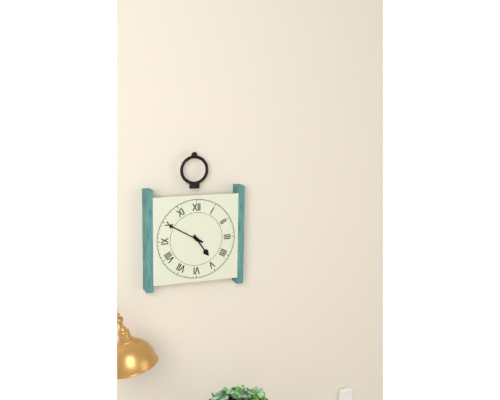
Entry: 4,50
